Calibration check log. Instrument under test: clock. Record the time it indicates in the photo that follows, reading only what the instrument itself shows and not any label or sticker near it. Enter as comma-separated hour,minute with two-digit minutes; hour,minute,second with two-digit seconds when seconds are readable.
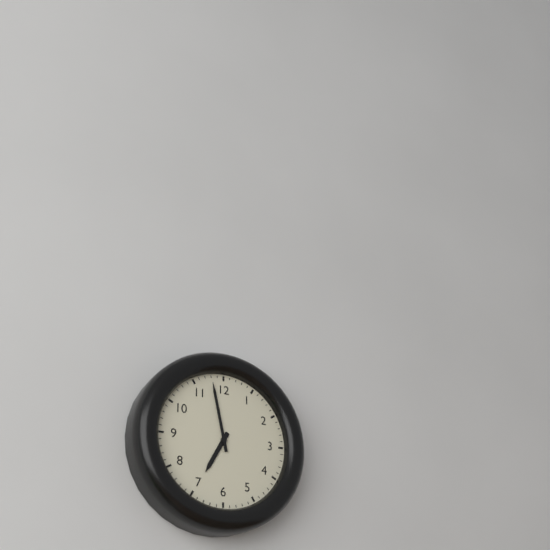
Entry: 6,58
